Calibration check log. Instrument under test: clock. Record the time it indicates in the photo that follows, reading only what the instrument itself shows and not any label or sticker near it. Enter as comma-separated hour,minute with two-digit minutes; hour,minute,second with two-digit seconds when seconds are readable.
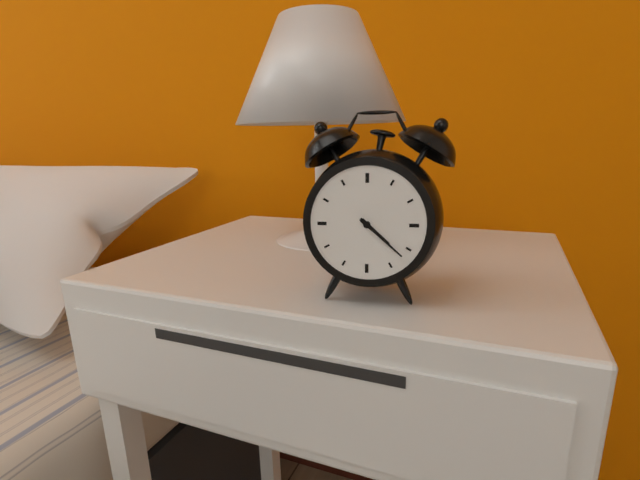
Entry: 4,22
